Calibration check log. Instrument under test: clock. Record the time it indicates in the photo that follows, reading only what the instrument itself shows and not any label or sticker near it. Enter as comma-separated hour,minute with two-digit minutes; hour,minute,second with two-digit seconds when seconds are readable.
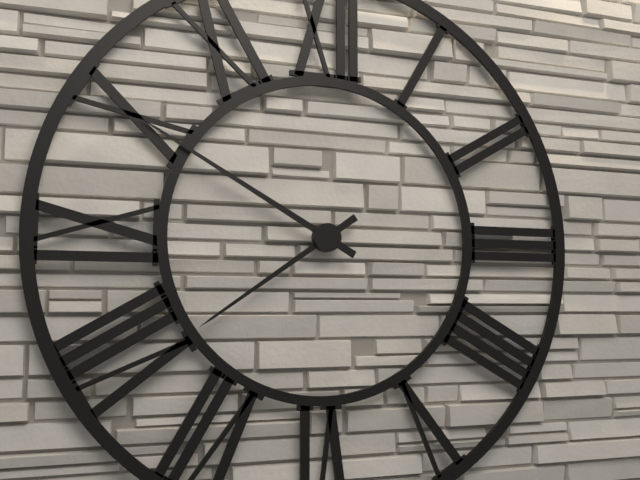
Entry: 7,50
